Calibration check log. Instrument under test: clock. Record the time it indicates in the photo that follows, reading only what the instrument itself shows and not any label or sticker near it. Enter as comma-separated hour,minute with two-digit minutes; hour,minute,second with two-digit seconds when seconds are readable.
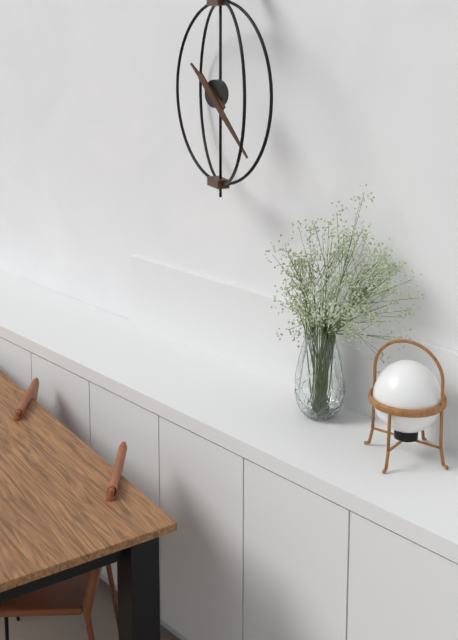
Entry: 10,23
